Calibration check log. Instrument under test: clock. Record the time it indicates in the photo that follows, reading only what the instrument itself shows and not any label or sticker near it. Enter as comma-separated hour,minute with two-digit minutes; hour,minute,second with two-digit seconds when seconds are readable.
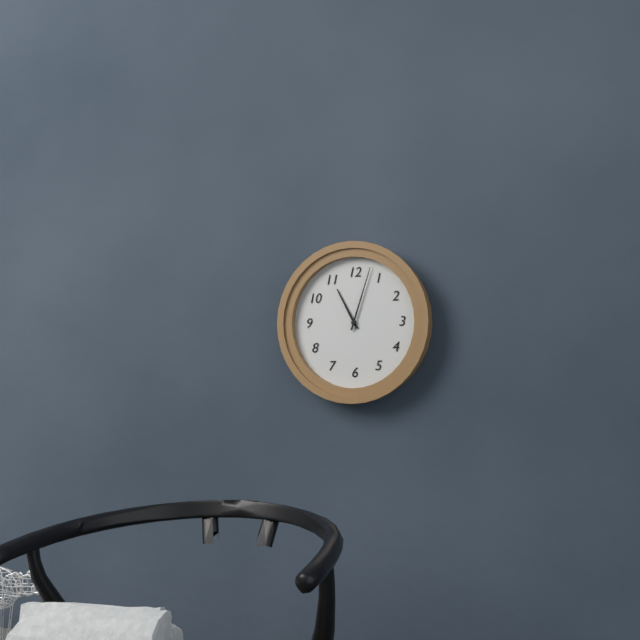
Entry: 11,03
